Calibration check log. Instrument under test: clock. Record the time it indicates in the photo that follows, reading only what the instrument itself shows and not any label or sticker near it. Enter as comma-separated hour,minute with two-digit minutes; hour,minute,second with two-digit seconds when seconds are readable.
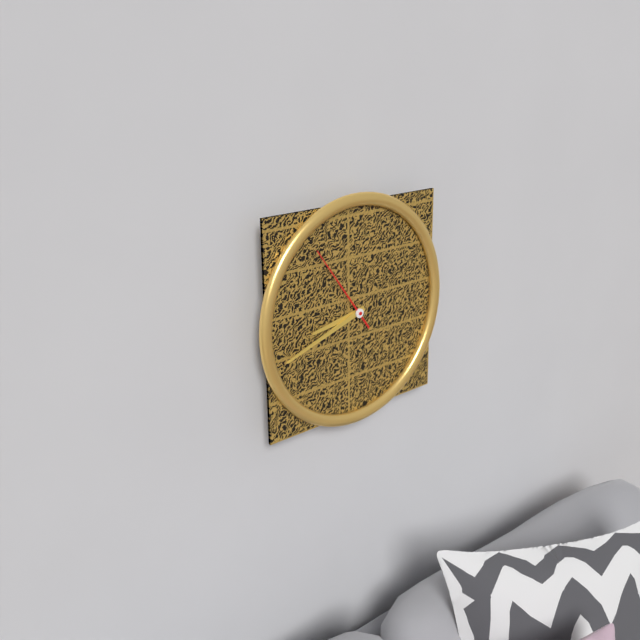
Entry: 8,42,54
